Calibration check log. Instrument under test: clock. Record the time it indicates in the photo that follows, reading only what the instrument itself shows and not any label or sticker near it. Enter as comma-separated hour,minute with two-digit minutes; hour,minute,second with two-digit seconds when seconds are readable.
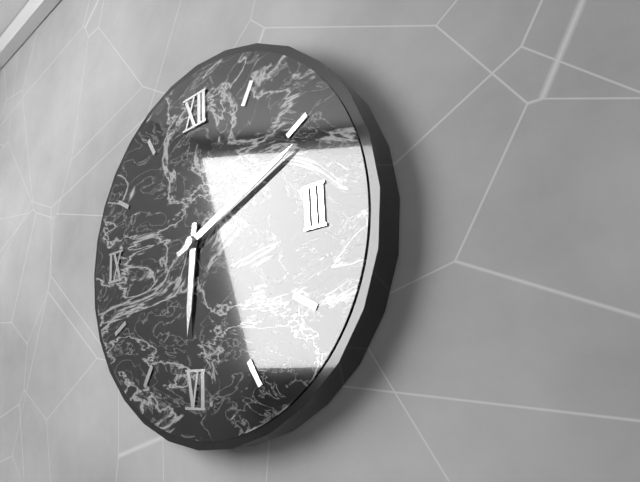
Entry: 6,11
